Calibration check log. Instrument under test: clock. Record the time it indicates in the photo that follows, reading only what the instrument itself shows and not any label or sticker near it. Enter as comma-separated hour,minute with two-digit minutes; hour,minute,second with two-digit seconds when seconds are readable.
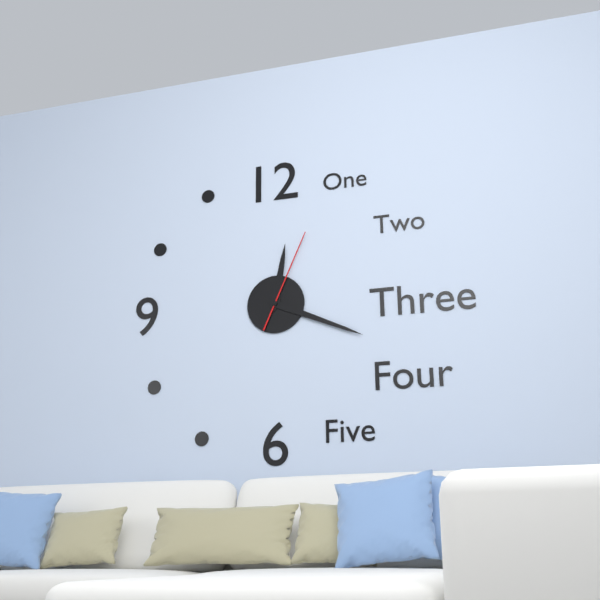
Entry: 12,19,04
